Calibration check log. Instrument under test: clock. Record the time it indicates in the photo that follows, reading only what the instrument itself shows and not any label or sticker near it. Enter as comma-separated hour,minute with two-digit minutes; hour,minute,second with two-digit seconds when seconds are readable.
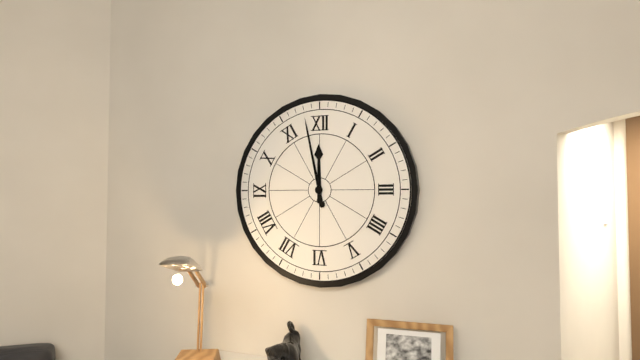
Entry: 11,58
